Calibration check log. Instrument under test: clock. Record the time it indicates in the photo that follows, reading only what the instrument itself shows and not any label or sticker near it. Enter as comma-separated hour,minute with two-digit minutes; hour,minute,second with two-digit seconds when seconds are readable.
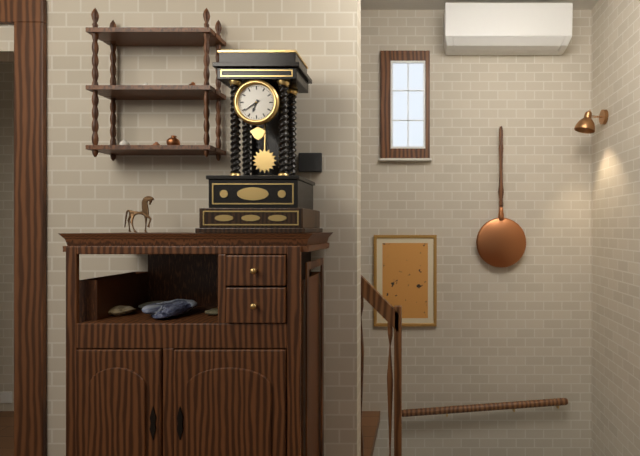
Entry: 6,39
